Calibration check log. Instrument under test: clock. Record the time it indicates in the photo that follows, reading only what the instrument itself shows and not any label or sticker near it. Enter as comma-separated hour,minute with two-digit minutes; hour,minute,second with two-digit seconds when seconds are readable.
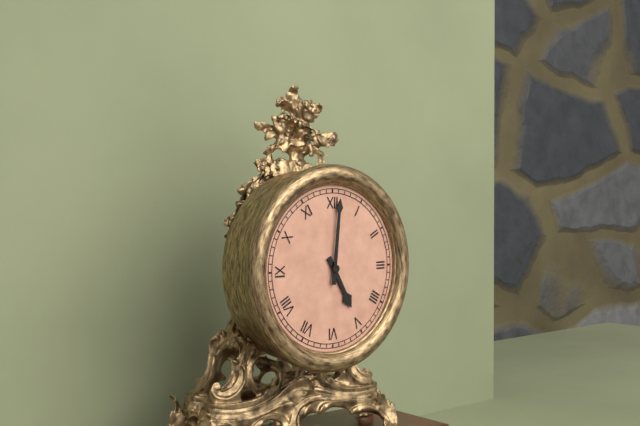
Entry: 5,01
